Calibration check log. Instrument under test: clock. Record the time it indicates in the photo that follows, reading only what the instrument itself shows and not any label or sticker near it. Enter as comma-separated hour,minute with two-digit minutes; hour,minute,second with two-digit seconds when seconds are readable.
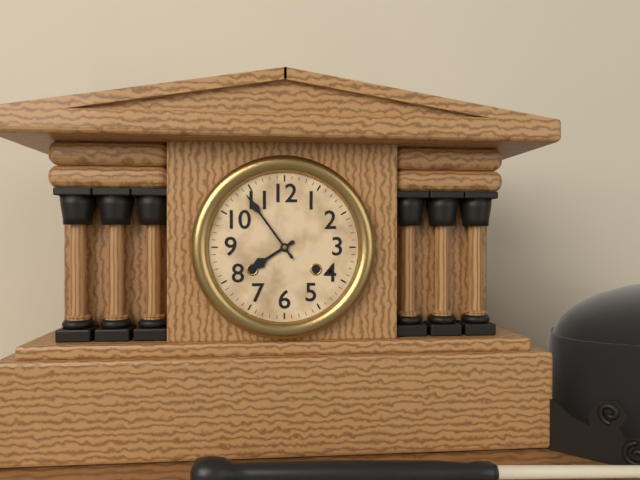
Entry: 7,54
